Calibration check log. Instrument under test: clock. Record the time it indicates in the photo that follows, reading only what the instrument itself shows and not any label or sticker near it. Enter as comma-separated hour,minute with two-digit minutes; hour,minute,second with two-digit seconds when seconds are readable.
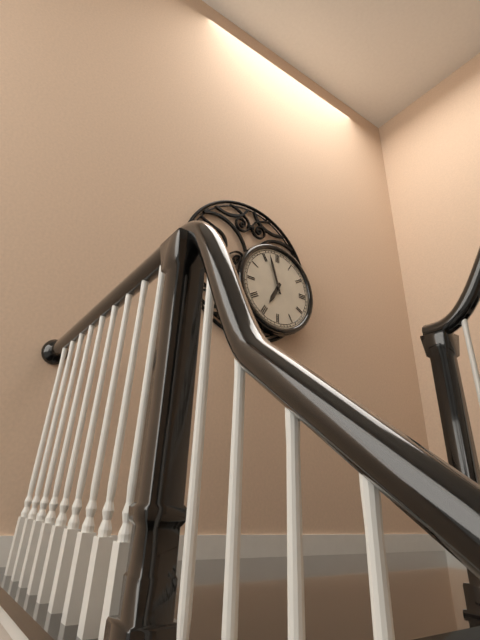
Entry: 6,57
